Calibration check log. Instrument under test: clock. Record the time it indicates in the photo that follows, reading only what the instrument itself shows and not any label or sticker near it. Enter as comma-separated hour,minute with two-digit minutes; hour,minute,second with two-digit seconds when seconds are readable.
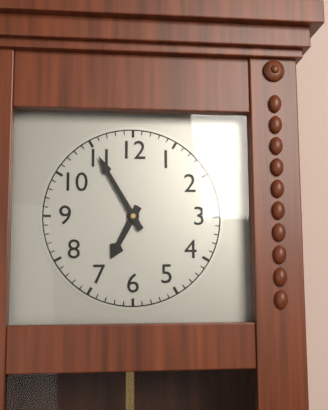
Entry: 6,55
